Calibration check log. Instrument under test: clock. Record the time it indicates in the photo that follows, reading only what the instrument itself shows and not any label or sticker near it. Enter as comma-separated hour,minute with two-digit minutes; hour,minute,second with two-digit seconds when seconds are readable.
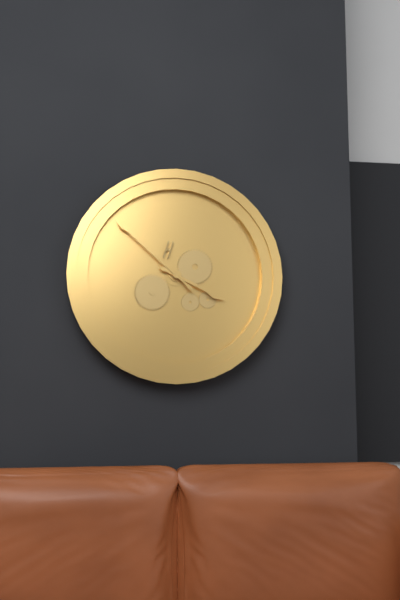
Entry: 3,52
